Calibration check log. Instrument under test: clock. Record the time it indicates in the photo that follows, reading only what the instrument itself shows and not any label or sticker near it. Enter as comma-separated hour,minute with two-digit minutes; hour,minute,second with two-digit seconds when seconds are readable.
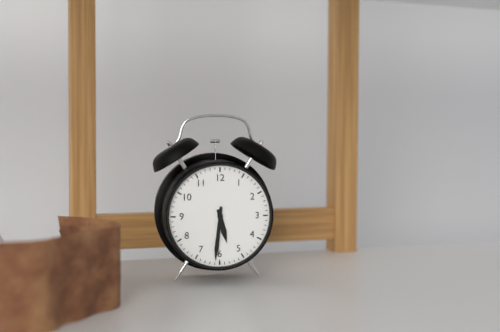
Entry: 5,31
